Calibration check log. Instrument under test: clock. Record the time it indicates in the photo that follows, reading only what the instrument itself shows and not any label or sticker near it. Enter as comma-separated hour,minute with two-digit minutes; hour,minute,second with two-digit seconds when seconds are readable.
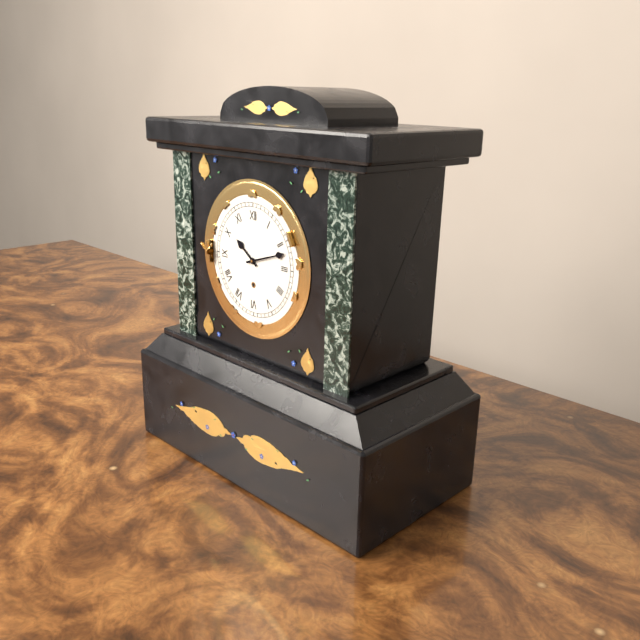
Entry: 10,12
